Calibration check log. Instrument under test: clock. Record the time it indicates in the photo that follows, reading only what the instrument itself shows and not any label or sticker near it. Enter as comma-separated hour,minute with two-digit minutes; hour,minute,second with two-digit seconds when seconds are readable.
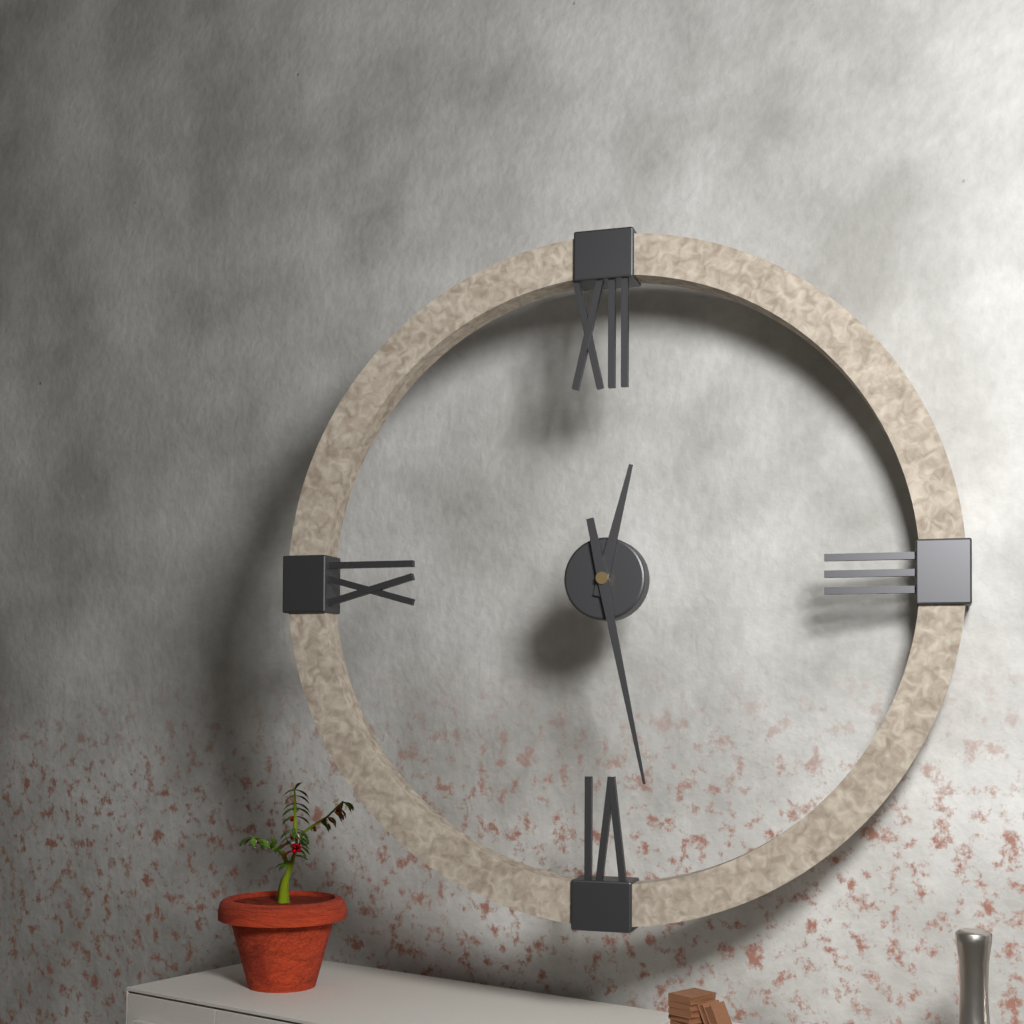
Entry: 12,28
